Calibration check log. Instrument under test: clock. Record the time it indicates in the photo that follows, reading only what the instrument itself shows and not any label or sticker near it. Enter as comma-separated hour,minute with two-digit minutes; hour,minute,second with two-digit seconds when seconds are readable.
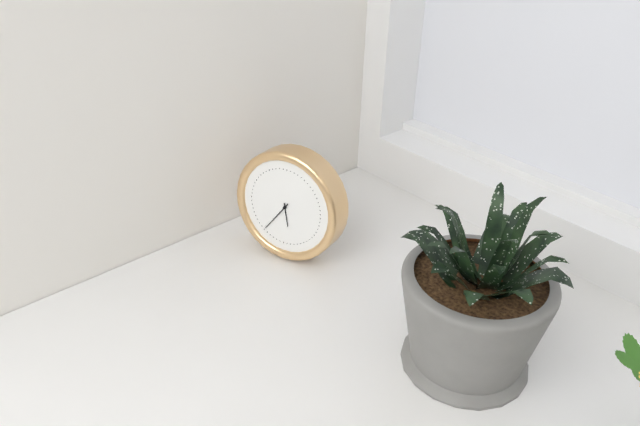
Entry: 5,36
